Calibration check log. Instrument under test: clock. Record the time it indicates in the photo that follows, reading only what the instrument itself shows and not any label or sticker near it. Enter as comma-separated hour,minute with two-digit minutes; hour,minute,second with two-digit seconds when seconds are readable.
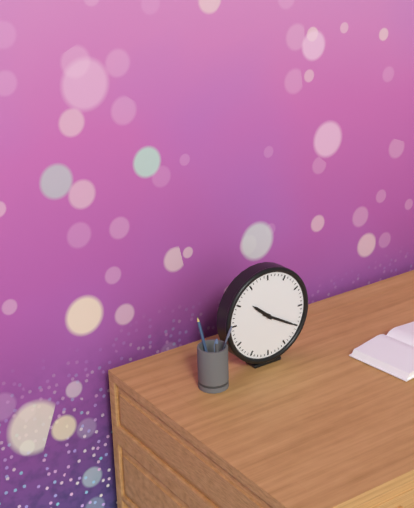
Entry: 10,20
